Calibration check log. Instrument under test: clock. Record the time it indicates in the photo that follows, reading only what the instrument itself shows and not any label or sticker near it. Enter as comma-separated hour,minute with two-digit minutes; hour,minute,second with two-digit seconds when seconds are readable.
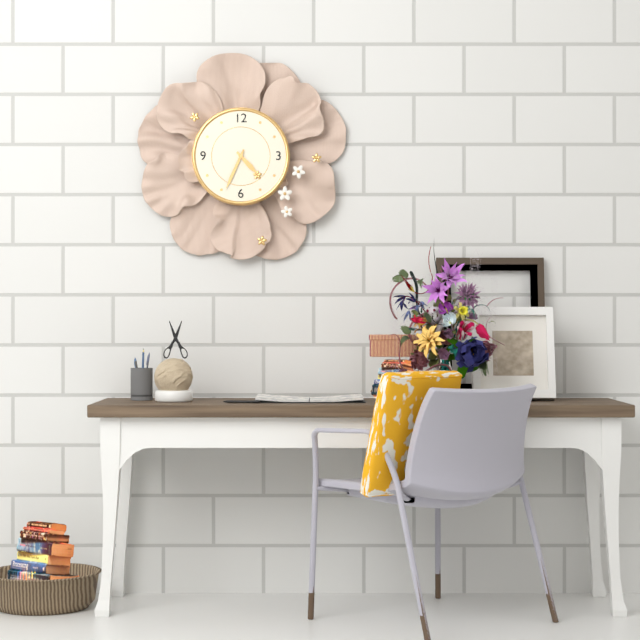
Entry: 4,34
